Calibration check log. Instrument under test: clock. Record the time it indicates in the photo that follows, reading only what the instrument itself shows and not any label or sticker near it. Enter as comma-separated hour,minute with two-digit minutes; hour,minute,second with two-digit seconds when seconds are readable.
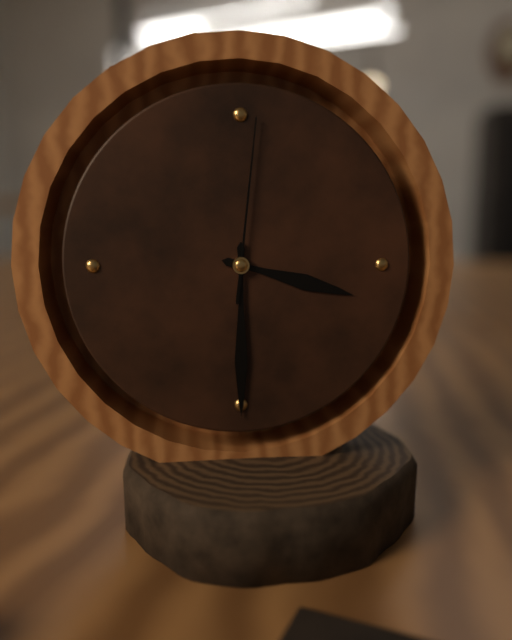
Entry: 3,30,01
